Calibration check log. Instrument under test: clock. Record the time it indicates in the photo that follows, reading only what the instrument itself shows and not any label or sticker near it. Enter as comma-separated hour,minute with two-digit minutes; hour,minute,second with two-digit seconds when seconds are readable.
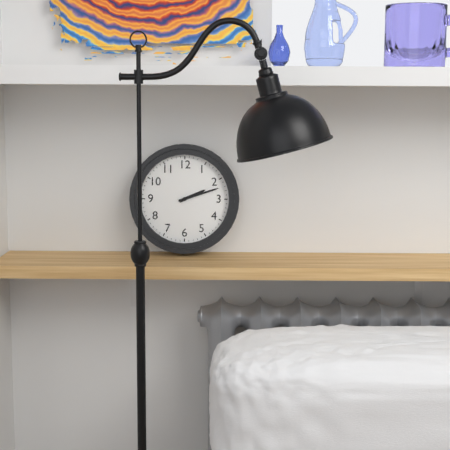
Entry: 2,12
